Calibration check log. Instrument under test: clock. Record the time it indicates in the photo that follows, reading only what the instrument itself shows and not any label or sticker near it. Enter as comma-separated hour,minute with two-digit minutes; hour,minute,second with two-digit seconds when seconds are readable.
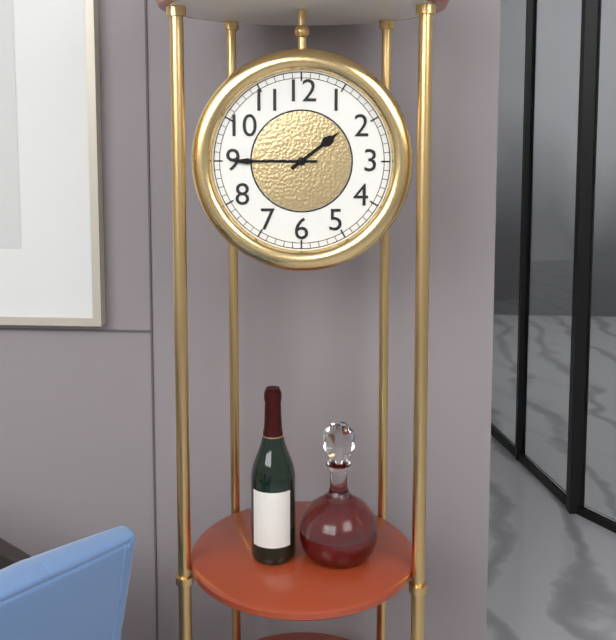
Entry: 1,45
